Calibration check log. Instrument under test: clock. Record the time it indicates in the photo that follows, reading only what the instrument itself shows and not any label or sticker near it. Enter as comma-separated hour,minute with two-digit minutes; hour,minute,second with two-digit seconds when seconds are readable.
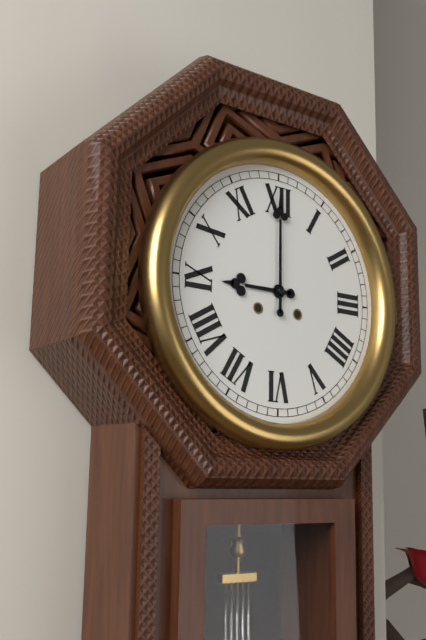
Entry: 9,00
